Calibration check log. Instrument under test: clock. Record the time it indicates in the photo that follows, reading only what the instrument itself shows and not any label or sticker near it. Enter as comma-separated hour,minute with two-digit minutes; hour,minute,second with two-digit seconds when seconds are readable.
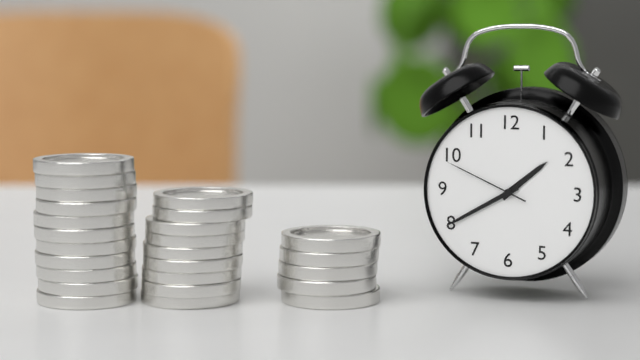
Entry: 1,40,49
